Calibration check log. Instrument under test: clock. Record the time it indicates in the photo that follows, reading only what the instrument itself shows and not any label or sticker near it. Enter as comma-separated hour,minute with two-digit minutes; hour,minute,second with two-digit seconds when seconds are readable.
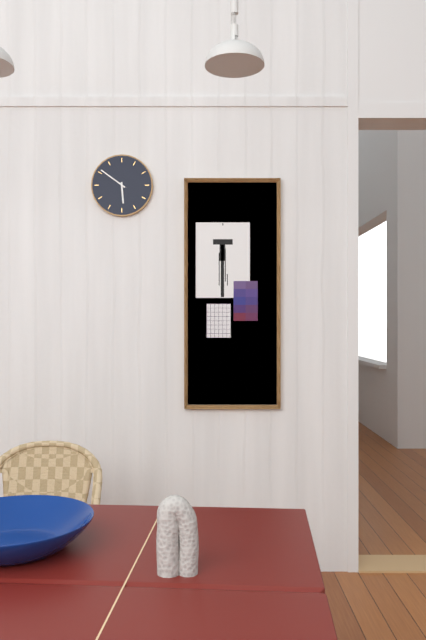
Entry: 5,51
